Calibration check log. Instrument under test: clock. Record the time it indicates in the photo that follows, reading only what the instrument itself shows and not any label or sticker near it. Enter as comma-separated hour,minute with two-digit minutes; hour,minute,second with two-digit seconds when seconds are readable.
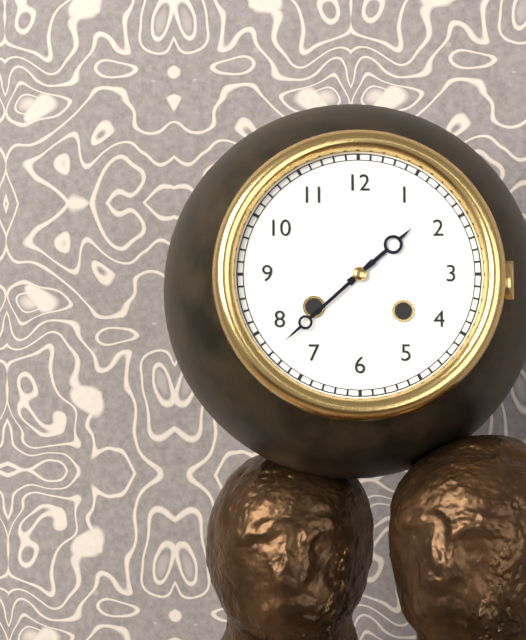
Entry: 1,38
